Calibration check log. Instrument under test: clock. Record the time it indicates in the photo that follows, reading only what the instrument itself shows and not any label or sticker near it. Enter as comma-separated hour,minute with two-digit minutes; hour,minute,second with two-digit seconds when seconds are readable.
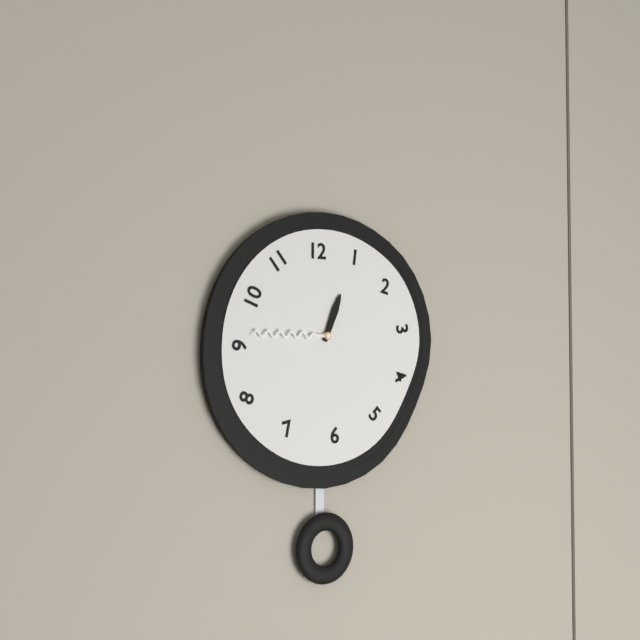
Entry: 12,45
